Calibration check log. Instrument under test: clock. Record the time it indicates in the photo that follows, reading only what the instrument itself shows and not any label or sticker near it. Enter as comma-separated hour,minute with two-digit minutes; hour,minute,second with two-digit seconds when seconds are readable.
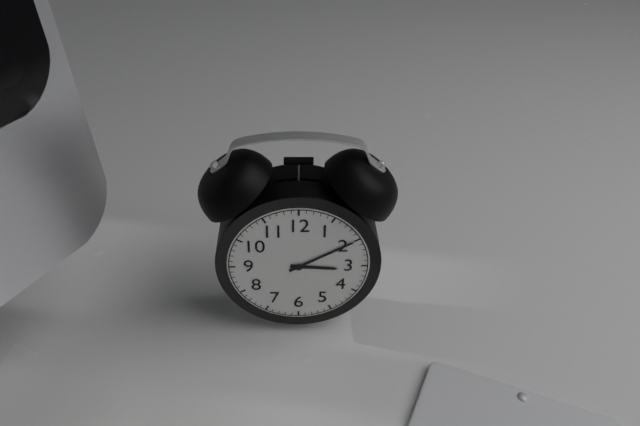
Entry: 3,10
